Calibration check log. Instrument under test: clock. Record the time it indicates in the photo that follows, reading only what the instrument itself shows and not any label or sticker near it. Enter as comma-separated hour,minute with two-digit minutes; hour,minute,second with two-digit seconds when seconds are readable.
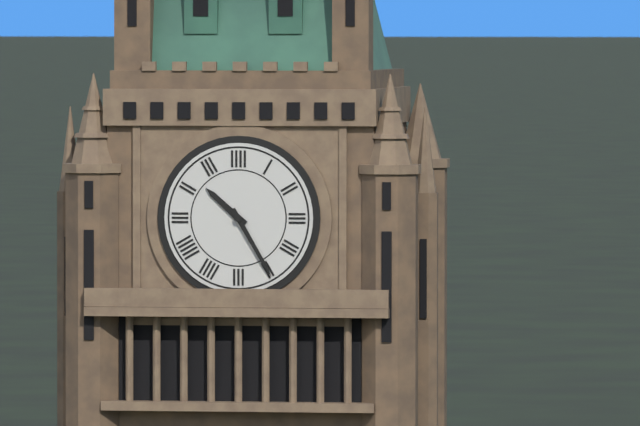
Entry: 10,25
